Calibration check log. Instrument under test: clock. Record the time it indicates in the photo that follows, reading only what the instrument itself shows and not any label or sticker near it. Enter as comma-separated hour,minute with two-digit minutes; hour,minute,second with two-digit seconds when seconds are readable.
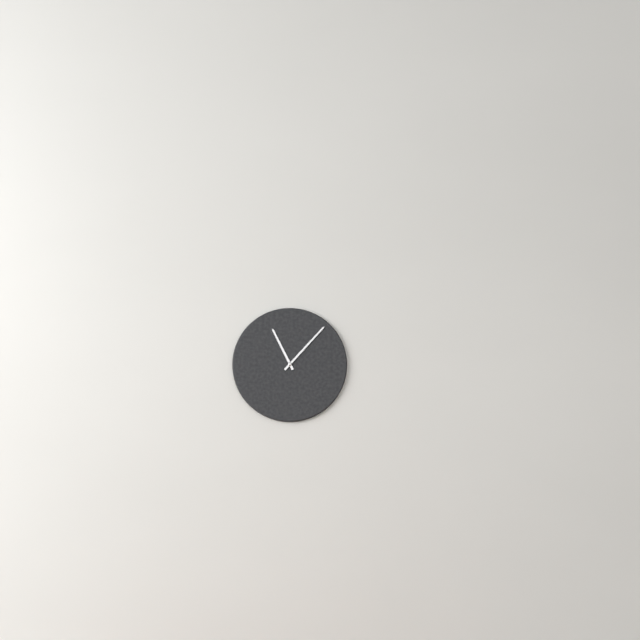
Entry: 11,07
